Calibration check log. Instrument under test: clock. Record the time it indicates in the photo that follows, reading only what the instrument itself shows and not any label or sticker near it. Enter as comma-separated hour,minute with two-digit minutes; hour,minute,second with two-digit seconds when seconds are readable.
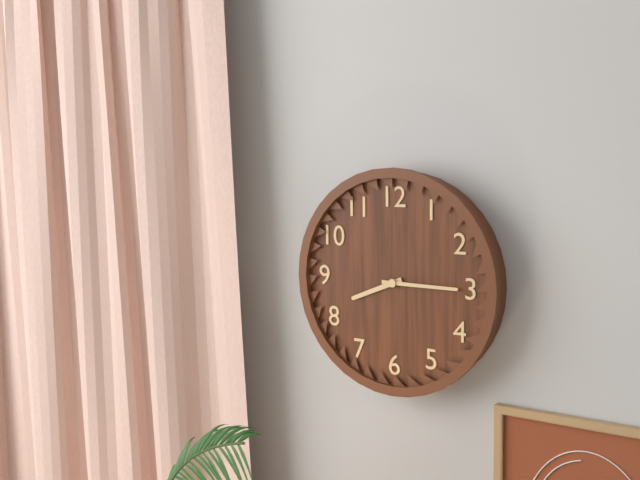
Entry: 8,15
